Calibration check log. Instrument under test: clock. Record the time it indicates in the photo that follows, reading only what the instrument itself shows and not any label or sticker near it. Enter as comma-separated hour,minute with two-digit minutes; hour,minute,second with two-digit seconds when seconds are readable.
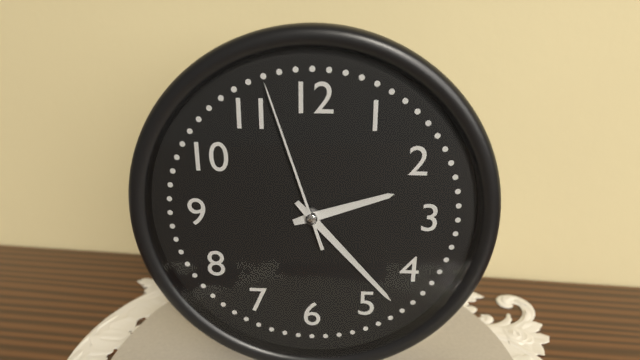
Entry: 2,23,57
